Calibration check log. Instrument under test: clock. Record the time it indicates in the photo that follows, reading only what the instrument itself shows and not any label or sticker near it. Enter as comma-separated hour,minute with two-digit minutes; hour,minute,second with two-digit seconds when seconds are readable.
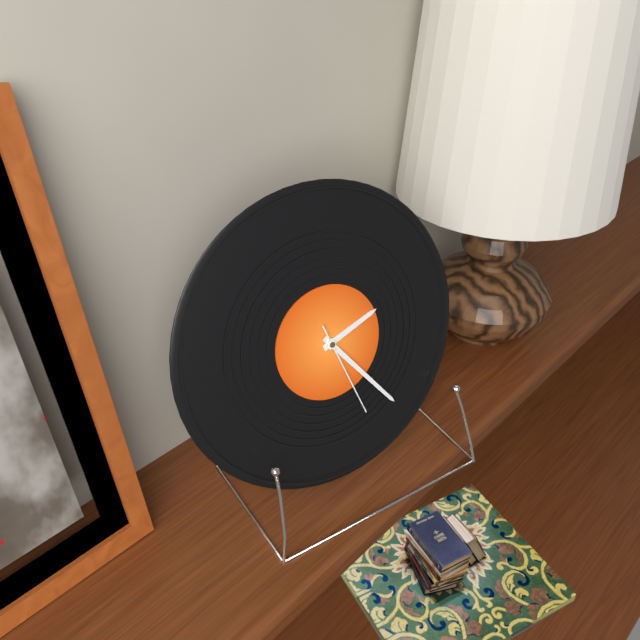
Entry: 2,24,27
